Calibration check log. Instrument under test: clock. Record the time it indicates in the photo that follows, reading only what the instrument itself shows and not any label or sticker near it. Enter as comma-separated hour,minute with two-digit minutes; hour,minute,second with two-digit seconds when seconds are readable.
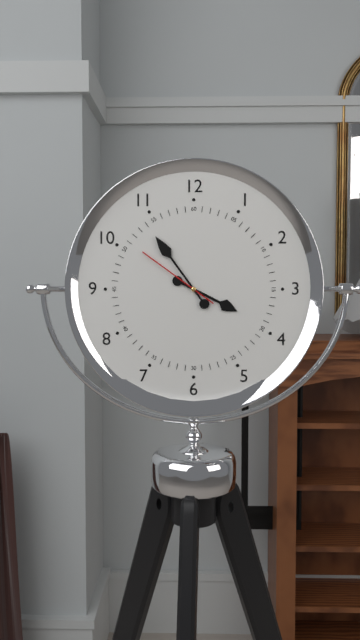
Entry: 3,54,51
